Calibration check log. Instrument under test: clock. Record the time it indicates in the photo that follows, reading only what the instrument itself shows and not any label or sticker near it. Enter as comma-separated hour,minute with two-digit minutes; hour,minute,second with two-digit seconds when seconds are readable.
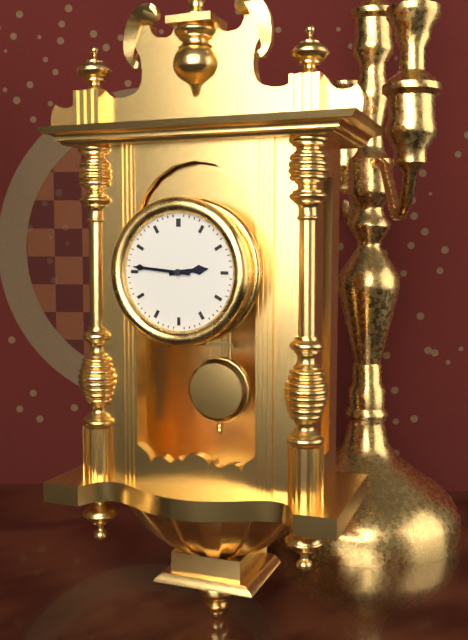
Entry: 2,46
